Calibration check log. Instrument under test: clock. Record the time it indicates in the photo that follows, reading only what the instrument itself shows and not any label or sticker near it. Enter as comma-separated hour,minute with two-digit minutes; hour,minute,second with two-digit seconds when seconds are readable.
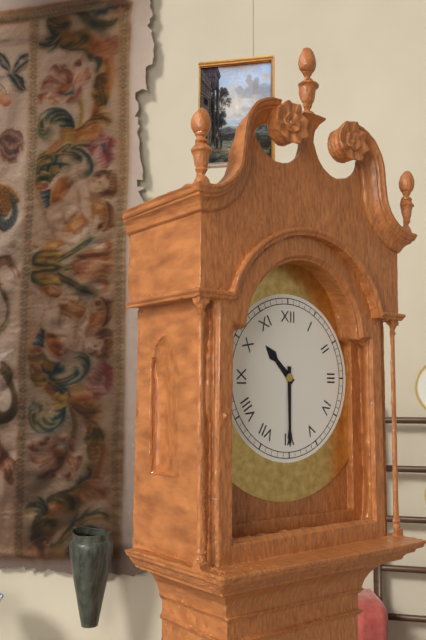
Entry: 10,30
